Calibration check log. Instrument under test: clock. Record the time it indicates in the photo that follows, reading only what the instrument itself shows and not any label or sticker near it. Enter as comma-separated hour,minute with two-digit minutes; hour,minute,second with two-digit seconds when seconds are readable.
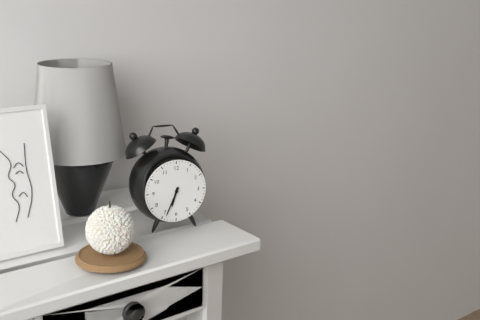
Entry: 6,34
